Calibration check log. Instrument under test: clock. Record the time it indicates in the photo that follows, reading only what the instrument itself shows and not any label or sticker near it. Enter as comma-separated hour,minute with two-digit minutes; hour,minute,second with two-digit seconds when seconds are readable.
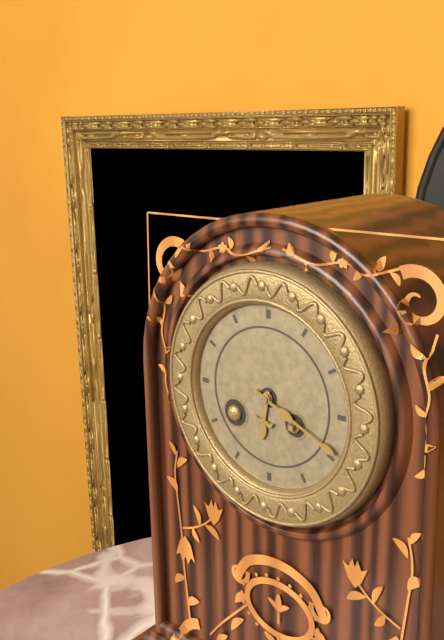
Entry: 6,19
